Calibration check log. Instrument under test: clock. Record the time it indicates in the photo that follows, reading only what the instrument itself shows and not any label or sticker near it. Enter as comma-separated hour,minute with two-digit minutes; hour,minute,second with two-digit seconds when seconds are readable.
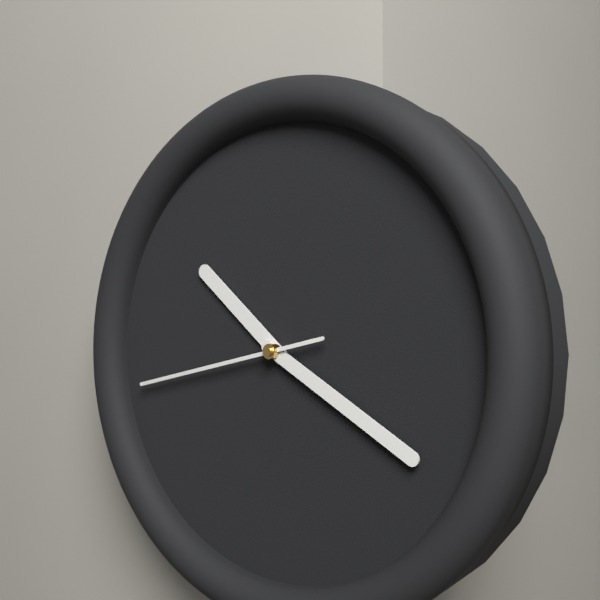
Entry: 10,20,43
